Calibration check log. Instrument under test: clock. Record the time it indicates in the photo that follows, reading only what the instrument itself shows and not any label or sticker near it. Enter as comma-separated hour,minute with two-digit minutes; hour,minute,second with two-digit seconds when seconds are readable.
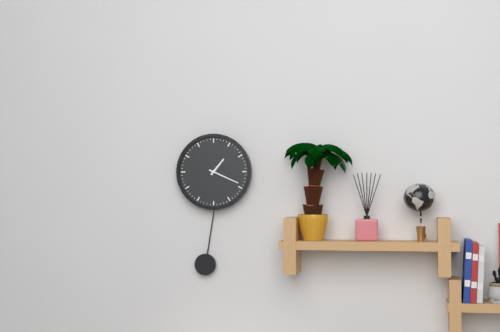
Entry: 1,19
